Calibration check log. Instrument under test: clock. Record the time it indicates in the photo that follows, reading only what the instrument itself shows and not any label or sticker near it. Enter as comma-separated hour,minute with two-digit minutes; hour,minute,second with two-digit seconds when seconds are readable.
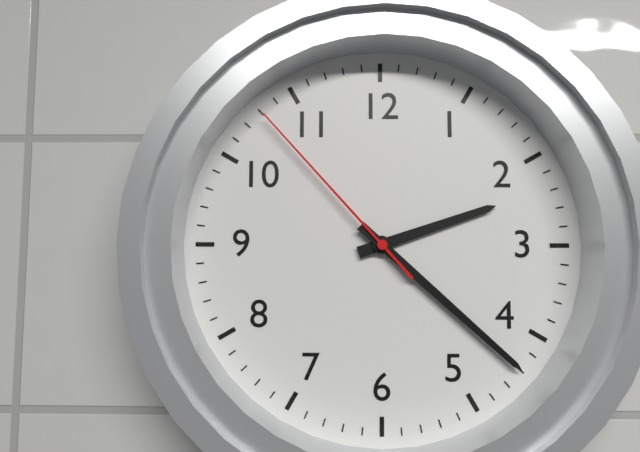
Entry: 2,22,53
